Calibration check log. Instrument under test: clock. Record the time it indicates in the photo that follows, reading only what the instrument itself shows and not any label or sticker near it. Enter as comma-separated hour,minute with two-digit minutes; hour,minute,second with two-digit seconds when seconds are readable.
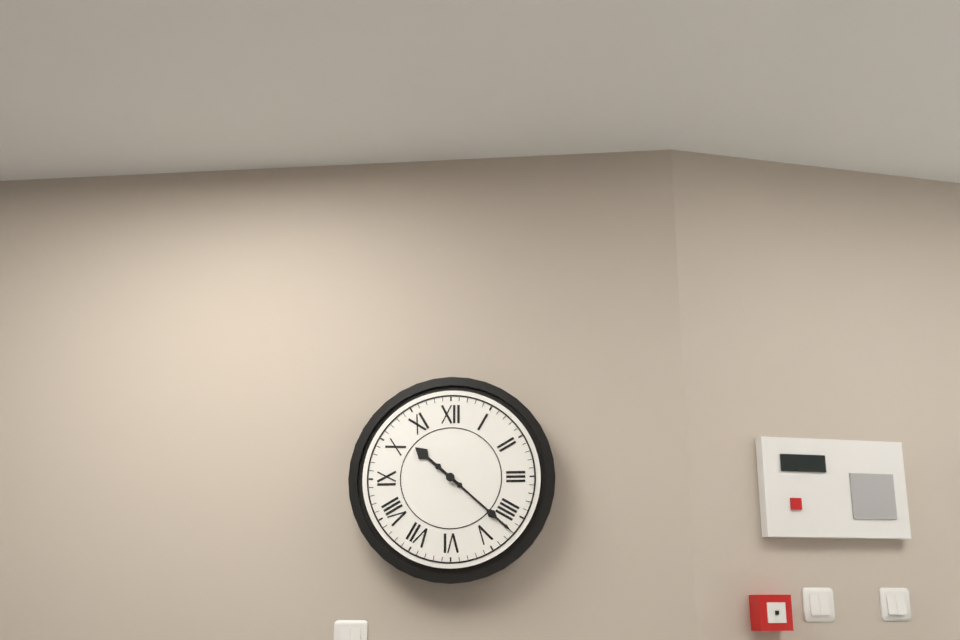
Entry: 10,22
